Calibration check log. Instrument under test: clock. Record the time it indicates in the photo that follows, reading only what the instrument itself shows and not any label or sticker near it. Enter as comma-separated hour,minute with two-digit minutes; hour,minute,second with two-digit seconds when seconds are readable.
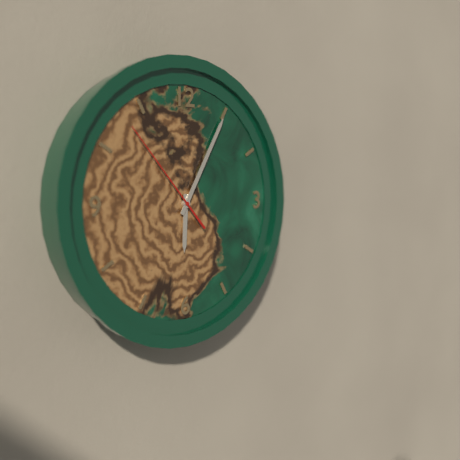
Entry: 6,05,53
